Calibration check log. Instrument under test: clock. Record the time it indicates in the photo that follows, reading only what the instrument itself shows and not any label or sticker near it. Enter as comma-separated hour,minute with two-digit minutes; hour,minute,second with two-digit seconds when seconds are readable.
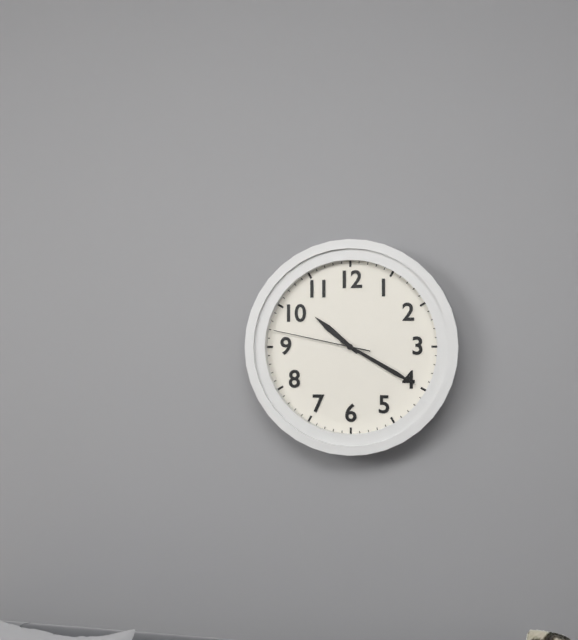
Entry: 10,20,47
